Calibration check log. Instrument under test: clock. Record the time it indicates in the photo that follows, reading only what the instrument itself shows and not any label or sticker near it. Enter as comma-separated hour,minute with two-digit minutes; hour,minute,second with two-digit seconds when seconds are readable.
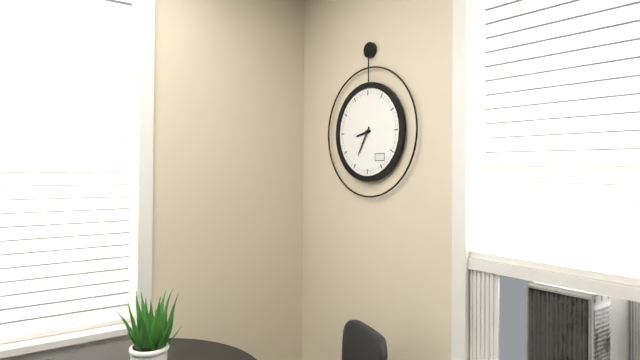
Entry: 8,35
